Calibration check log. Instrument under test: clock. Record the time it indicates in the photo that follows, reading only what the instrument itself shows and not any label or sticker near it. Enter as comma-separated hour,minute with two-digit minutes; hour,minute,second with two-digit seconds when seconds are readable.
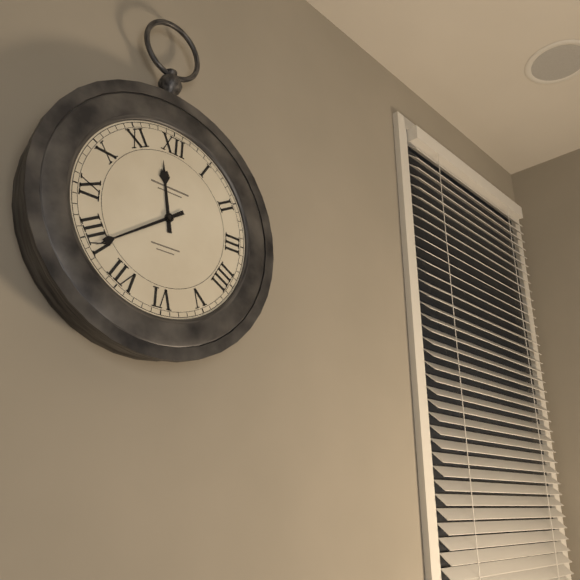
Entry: 11,39
